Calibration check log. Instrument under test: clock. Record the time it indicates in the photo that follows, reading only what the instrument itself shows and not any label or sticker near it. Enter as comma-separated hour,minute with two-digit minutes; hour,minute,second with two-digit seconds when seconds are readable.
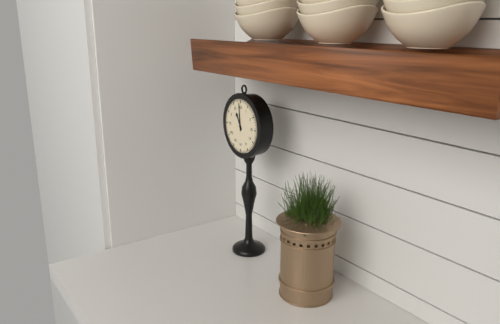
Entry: 10,59
